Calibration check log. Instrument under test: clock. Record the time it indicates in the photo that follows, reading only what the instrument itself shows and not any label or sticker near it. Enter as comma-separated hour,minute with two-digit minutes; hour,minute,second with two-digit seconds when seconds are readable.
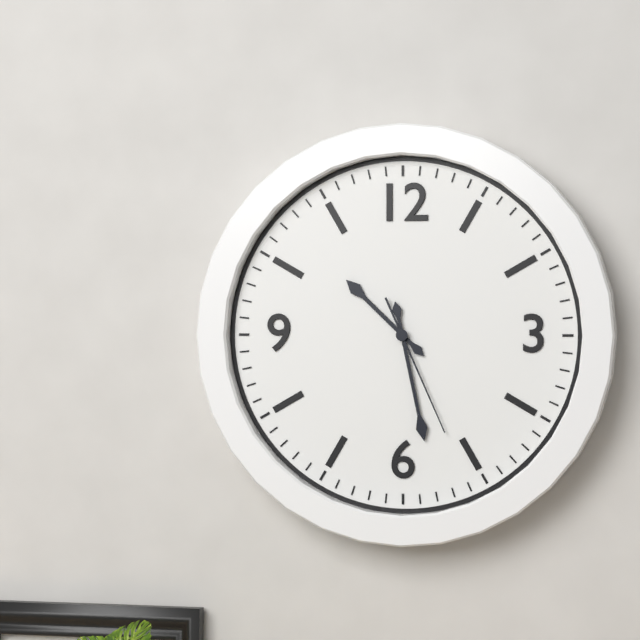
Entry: 10,28,26
